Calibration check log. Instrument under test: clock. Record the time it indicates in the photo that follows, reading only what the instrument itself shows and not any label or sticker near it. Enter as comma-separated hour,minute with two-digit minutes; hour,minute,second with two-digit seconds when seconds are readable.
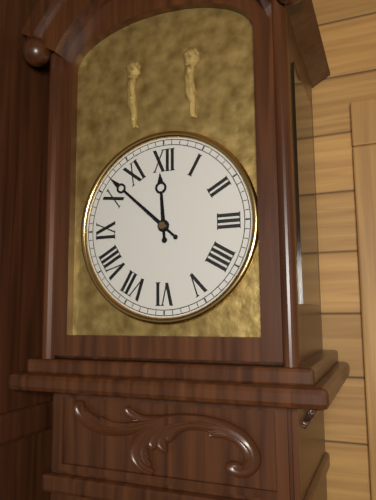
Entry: 11,52
